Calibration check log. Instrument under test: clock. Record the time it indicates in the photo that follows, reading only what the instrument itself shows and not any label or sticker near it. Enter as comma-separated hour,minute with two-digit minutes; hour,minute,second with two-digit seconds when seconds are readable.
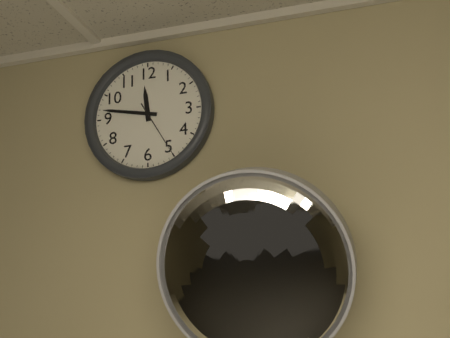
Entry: 11,47
